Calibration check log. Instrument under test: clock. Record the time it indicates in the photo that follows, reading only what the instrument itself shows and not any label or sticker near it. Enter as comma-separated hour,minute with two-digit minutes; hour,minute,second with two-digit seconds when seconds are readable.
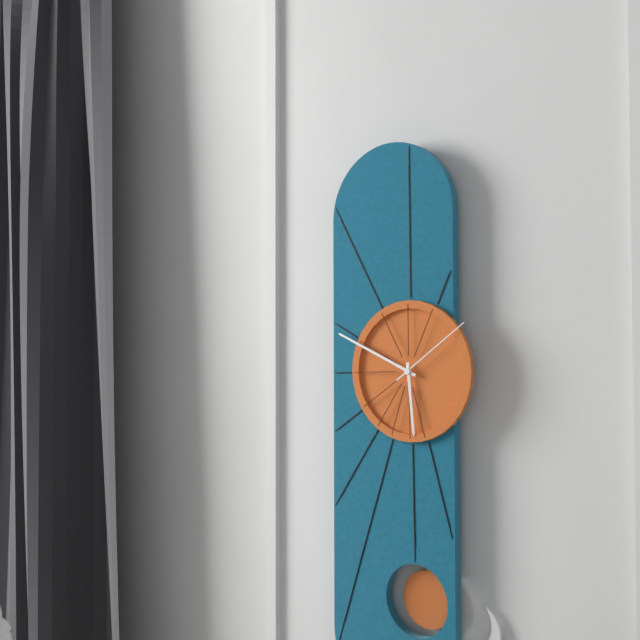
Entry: 5,49,09
